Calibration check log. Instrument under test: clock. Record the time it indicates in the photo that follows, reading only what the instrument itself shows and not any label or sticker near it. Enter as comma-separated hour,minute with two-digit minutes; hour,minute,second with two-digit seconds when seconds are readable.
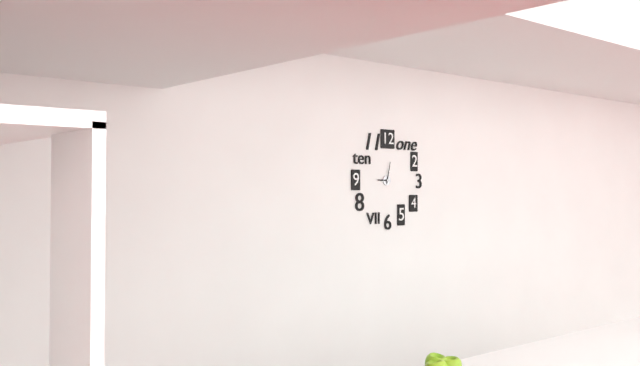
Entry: 9,02
